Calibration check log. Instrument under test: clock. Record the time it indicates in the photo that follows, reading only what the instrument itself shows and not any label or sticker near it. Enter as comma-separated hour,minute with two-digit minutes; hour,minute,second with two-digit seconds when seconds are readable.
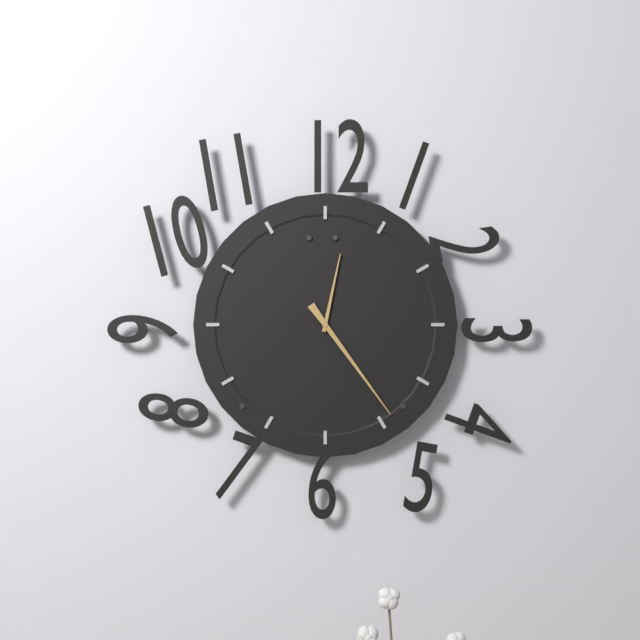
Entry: 12,24
